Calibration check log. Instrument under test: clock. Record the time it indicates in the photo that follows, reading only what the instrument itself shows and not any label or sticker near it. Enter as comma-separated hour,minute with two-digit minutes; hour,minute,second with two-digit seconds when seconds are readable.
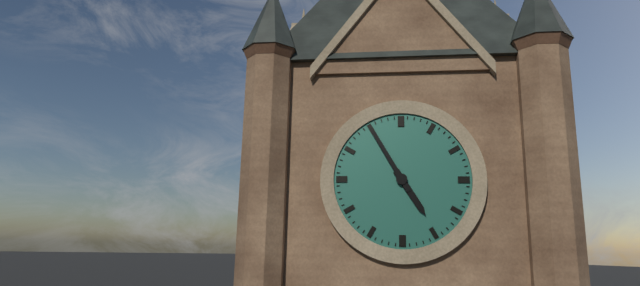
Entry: 4,55
